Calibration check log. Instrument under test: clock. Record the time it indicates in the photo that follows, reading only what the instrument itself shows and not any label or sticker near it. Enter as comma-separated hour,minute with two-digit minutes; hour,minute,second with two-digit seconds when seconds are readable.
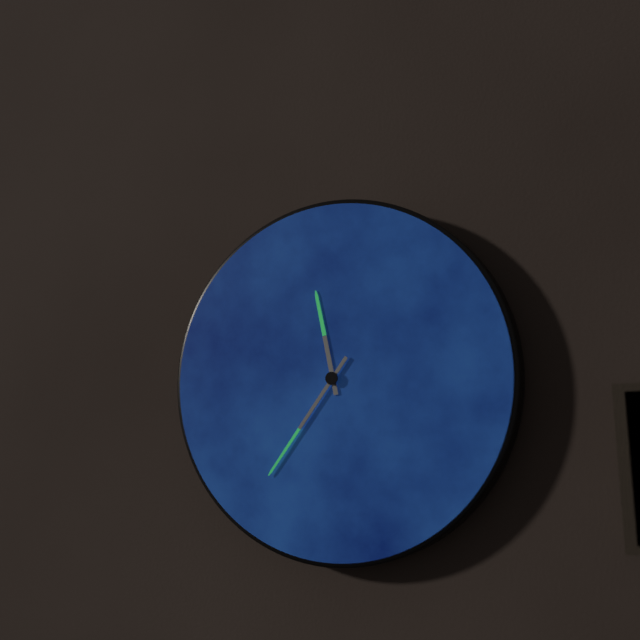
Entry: 11,36
